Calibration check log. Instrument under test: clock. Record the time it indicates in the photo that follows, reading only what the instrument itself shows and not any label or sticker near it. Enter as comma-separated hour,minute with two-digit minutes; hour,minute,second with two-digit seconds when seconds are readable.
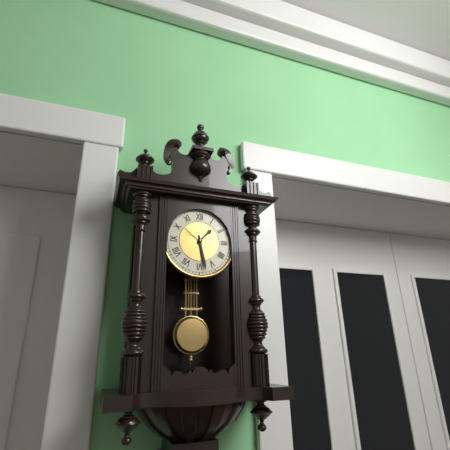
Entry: 1,28
